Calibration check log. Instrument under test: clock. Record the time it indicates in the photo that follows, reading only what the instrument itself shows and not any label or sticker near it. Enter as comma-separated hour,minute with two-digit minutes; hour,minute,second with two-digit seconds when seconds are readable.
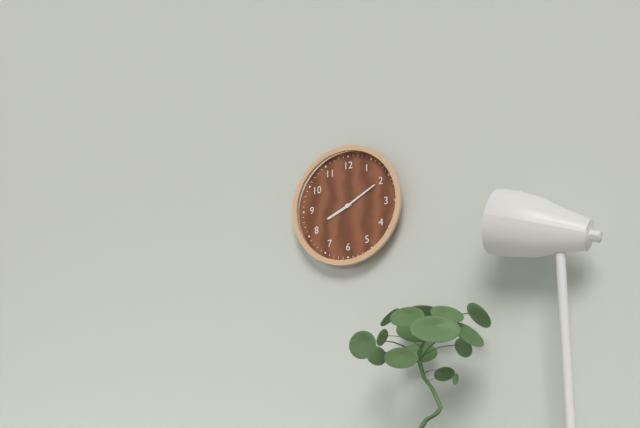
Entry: 8,10
